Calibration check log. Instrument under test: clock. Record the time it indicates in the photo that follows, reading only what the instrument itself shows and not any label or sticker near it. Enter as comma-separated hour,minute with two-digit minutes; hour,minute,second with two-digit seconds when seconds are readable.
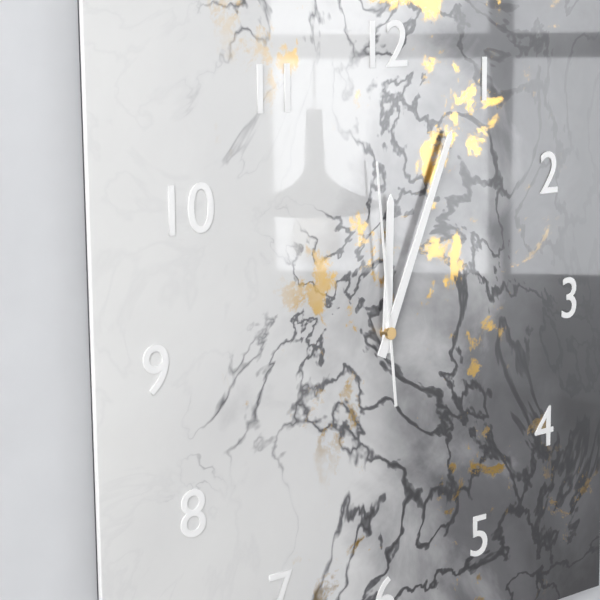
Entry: 12,04,59
